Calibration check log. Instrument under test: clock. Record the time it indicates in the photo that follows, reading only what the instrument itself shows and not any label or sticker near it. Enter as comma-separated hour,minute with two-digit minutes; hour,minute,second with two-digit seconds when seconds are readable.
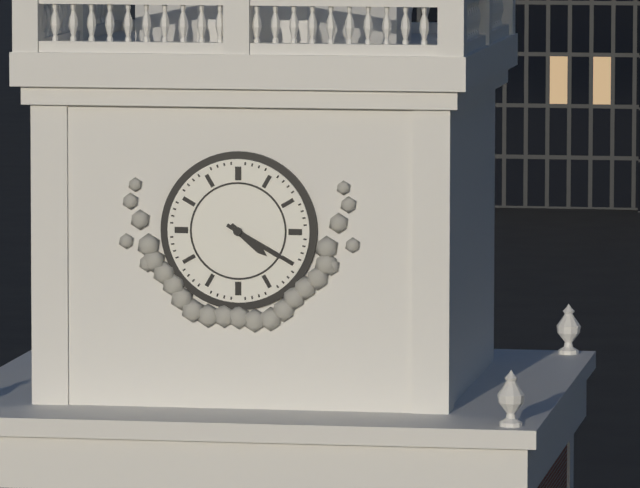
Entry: 4,20
